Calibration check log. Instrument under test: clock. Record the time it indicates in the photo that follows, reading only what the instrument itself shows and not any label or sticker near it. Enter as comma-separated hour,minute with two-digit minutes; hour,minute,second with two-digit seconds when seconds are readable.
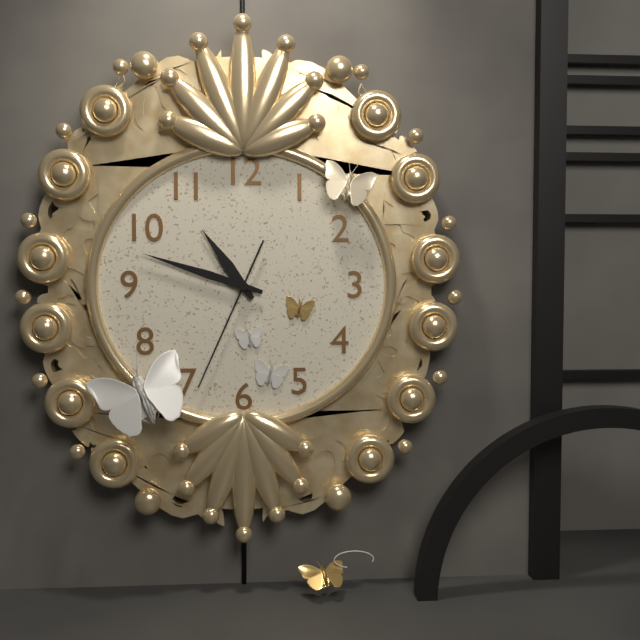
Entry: 10,48,34
